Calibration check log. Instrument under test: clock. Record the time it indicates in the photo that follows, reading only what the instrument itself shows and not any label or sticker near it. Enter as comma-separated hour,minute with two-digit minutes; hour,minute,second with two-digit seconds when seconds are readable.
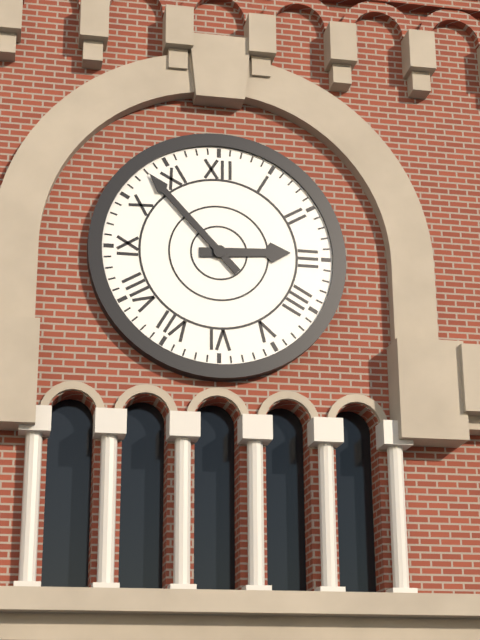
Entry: 2,53
